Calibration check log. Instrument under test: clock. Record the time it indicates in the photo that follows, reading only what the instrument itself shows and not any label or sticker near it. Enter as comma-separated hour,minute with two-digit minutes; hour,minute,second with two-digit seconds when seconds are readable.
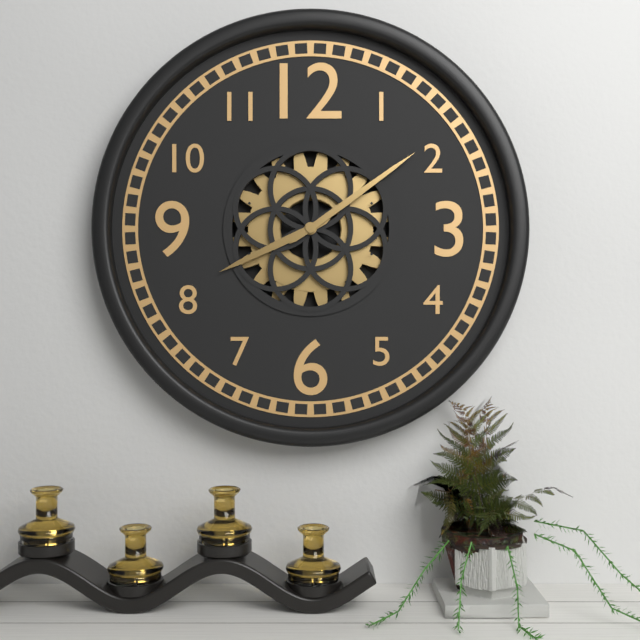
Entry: 8,09
